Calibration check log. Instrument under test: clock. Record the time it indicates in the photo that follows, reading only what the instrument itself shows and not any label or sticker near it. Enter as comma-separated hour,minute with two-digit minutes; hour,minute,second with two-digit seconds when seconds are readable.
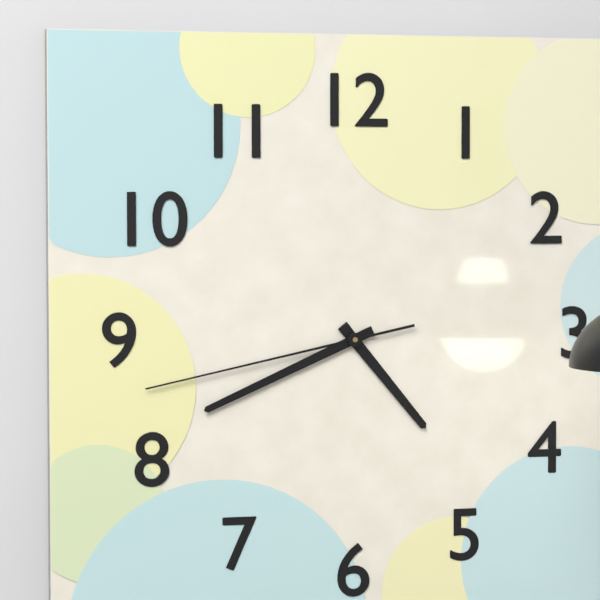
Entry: 4,41,43
